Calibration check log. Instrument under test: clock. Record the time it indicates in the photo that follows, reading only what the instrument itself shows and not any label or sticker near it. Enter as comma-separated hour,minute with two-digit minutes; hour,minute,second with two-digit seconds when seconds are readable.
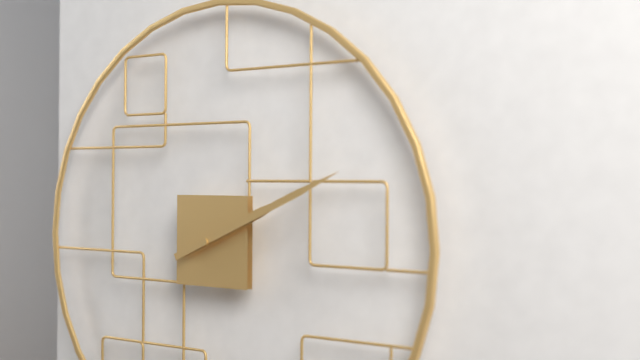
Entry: 2,11
